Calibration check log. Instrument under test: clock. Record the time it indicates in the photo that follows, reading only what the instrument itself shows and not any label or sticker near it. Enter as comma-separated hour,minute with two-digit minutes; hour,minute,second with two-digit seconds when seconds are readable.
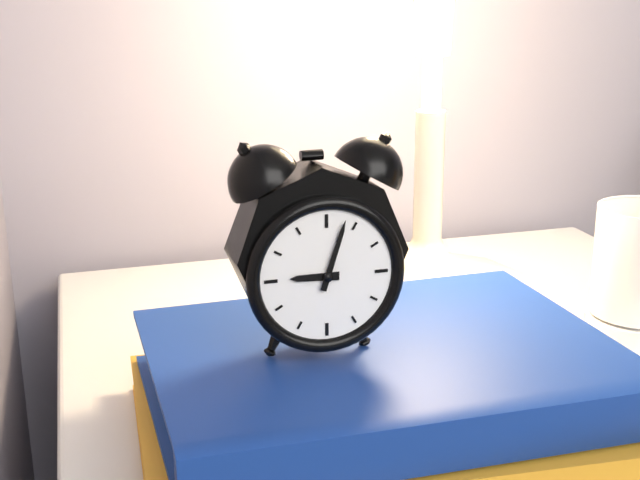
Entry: 9,03
